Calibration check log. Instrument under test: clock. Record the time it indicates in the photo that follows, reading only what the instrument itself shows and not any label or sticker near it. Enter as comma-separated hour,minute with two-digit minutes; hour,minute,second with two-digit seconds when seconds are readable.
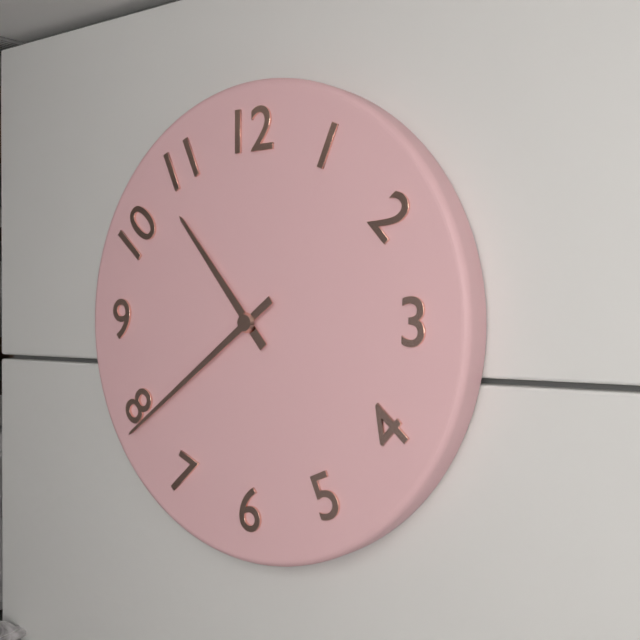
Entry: 10,39
